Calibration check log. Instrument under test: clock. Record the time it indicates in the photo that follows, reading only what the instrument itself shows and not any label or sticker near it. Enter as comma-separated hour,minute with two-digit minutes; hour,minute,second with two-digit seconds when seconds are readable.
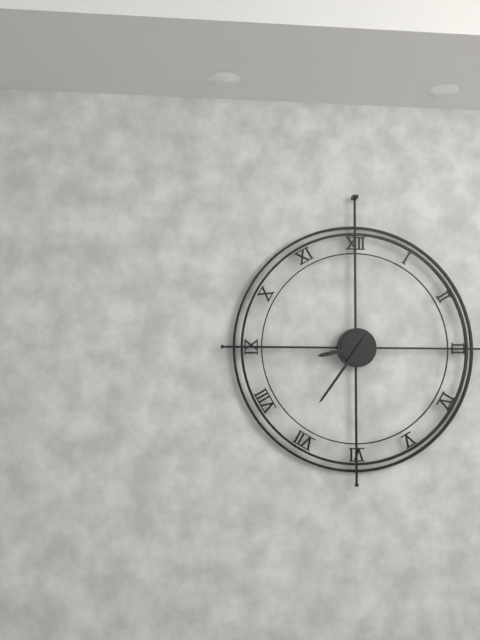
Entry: 8,36
